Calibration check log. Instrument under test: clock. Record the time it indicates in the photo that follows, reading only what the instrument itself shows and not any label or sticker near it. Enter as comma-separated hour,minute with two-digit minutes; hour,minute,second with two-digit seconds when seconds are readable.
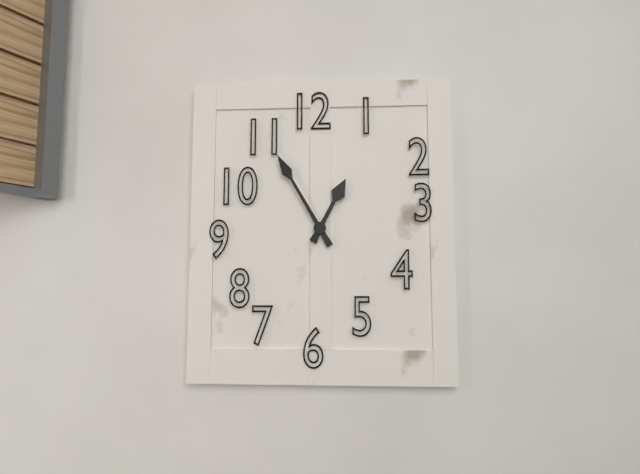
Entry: 12,55
